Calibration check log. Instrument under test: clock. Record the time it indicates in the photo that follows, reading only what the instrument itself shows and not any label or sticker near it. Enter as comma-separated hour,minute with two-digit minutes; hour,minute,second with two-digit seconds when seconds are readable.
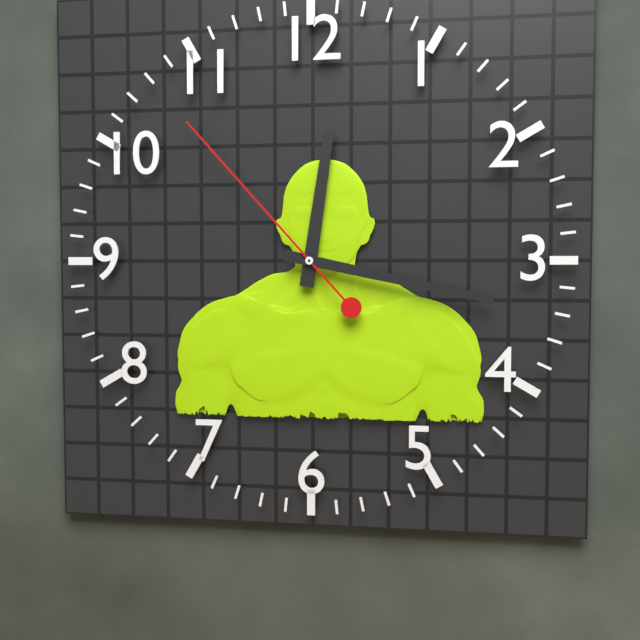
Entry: 12,17,53
